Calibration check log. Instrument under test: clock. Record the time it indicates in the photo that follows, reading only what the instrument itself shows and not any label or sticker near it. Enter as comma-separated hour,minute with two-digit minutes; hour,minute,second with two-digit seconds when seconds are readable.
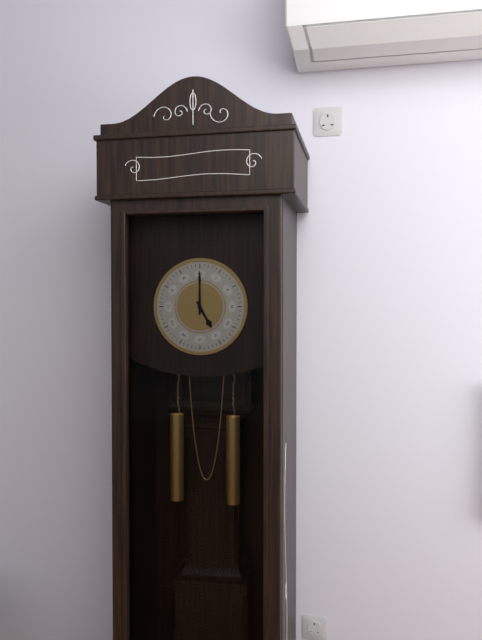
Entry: 5,00
